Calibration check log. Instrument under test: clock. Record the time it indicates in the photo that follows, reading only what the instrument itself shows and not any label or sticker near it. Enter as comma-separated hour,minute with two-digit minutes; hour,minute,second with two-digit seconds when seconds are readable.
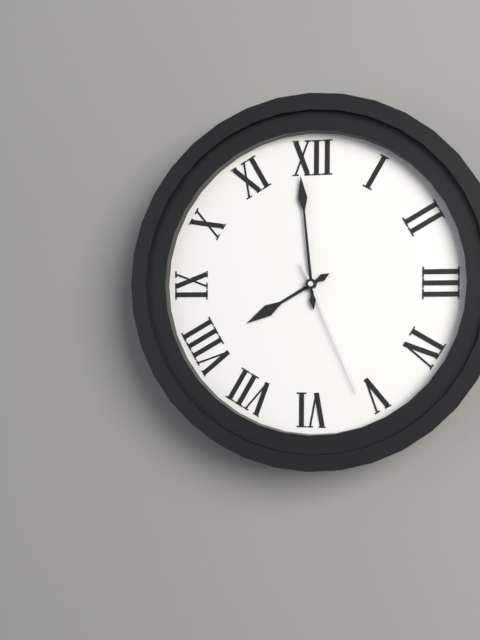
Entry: 7,59,26
